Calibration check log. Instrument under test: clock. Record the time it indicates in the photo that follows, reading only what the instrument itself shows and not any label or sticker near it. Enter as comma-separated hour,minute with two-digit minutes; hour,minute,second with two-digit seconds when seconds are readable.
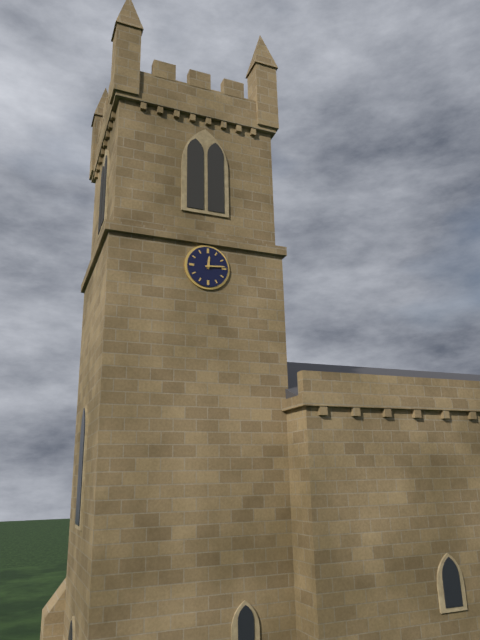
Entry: 12,14
